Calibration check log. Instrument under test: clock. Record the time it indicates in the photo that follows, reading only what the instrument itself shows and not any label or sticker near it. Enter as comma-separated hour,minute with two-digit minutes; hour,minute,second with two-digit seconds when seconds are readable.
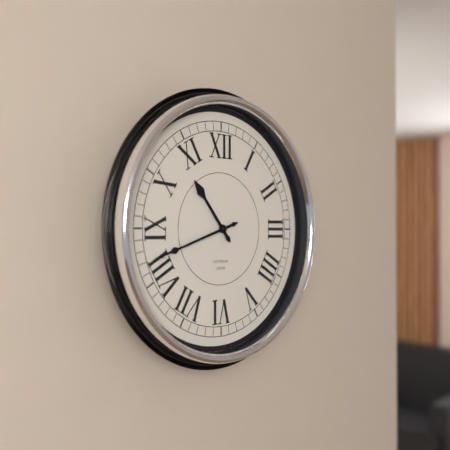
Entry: 10,42
